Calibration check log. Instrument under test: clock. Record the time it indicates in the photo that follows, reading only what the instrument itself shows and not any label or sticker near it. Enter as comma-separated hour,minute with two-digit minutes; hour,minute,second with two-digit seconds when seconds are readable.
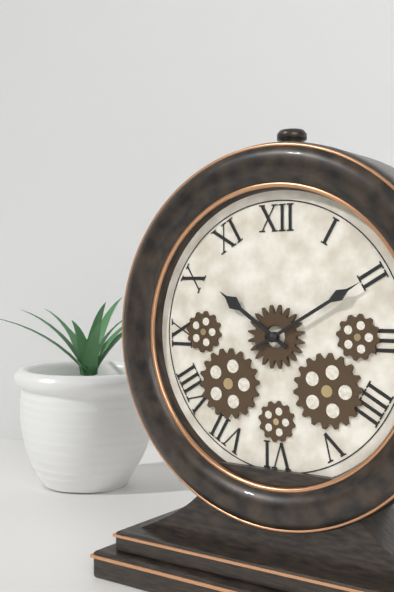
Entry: 10,10
